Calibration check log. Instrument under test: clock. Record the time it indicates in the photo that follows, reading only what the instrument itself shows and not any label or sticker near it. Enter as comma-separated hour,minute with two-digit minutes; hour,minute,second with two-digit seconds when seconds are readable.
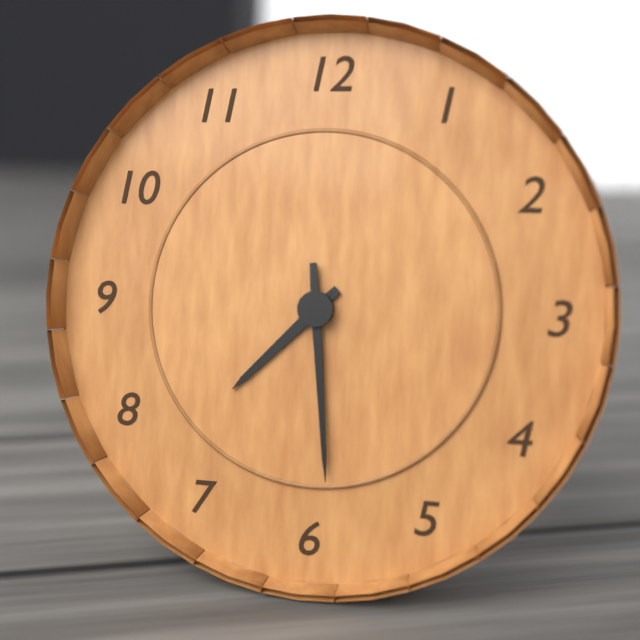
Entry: 7,29
